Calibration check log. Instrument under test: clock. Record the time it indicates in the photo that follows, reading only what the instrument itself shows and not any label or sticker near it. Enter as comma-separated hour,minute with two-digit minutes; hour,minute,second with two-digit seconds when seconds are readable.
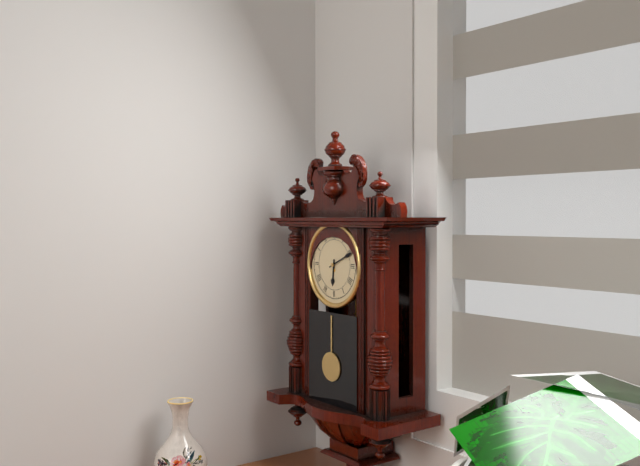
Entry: 6,11
